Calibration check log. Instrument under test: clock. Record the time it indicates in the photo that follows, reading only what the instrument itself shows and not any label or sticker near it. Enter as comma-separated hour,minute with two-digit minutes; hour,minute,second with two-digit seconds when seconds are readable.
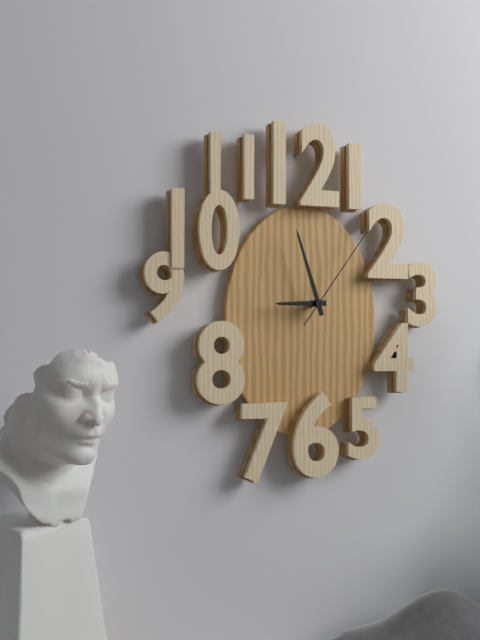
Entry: 8,57,06
